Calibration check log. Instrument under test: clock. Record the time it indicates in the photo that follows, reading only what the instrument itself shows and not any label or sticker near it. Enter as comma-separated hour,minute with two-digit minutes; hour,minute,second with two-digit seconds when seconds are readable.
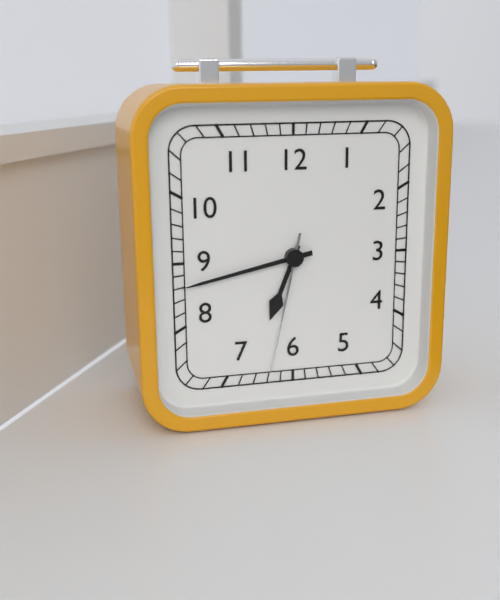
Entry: 6,43,32
